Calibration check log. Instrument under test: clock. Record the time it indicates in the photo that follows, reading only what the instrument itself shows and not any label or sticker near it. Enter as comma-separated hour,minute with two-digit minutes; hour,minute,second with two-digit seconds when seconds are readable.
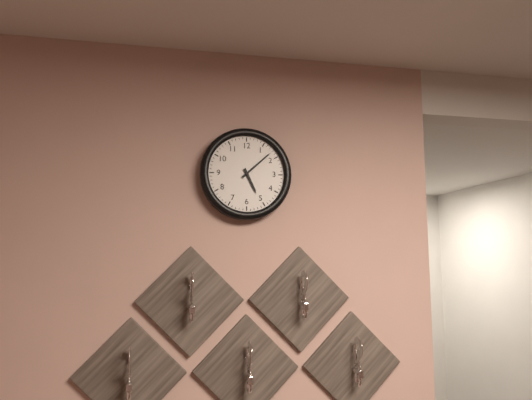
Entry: 5,08
